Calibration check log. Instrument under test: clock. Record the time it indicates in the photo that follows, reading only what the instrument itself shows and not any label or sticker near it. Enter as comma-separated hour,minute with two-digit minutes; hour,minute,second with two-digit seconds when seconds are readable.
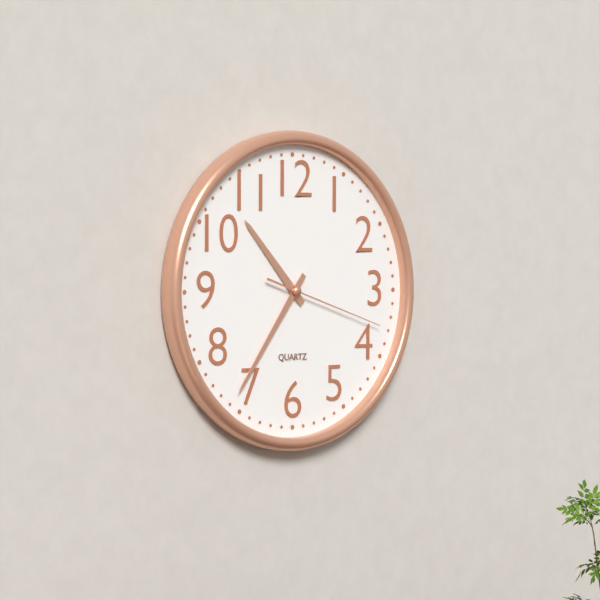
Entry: 10,36,18
